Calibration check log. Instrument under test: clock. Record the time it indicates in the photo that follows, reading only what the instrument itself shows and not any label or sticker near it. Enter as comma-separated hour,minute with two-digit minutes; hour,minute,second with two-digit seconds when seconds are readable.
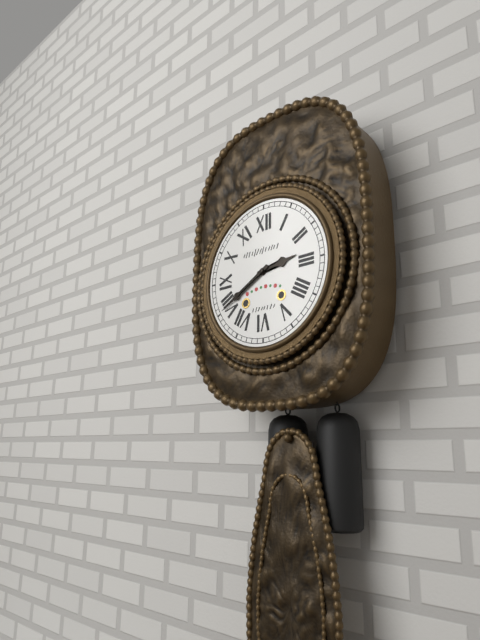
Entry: 2,40
